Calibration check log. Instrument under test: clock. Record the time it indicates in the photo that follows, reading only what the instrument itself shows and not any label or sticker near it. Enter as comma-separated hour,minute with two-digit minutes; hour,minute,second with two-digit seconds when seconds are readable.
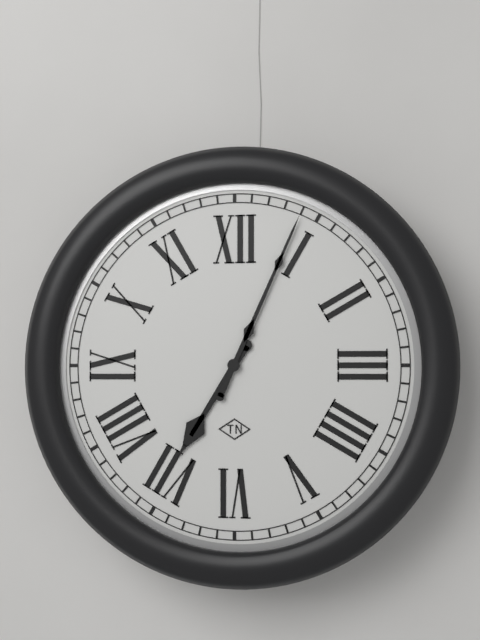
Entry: 7,04
